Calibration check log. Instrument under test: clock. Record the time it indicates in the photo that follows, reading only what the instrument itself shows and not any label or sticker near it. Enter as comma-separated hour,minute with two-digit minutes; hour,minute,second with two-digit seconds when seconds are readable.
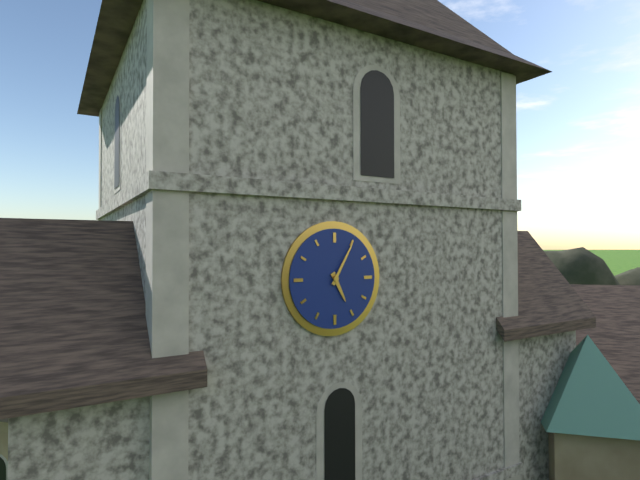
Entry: 5,05
